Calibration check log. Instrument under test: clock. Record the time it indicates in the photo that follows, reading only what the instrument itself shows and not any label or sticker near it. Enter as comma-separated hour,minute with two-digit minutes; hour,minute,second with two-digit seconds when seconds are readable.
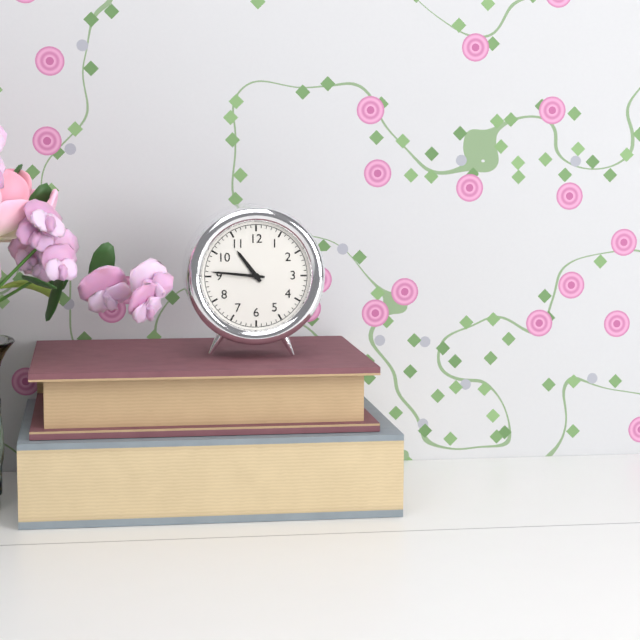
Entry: 10,46
